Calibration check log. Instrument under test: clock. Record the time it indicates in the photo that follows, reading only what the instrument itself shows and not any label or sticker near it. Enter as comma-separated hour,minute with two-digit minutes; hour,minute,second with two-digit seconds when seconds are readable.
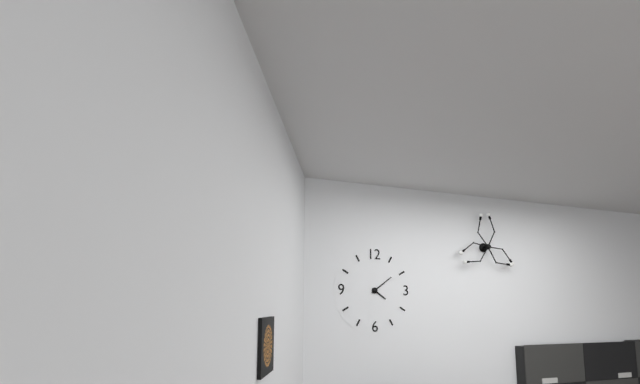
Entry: 4,09
